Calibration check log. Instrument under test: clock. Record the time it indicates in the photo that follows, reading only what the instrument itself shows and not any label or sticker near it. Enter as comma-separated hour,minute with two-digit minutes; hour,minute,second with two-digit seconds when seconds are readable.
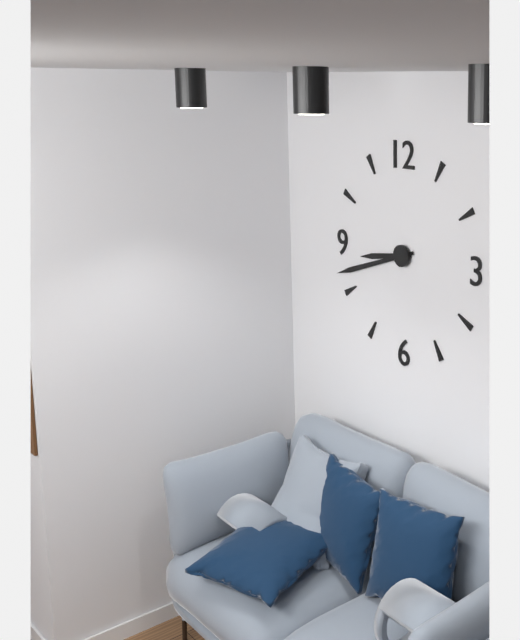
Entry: 8,42
